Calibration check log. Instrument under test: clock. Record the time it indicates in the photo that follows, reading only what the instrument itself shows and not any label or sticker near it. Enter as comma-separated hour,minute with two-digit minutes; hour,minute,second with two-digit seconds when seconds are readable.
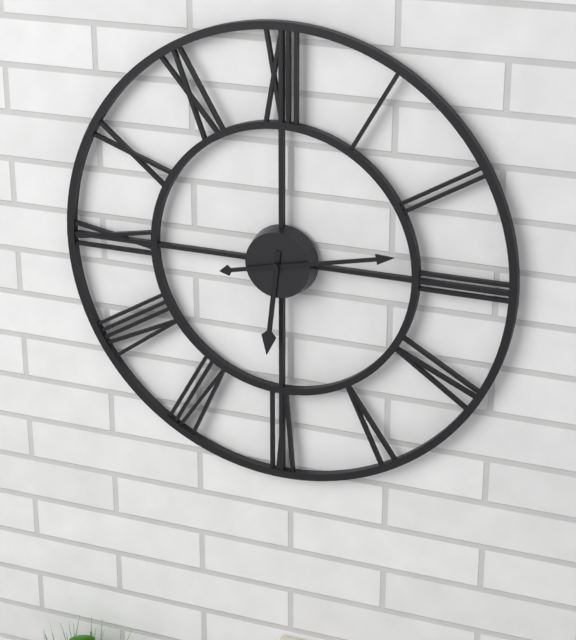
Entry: 6,13
